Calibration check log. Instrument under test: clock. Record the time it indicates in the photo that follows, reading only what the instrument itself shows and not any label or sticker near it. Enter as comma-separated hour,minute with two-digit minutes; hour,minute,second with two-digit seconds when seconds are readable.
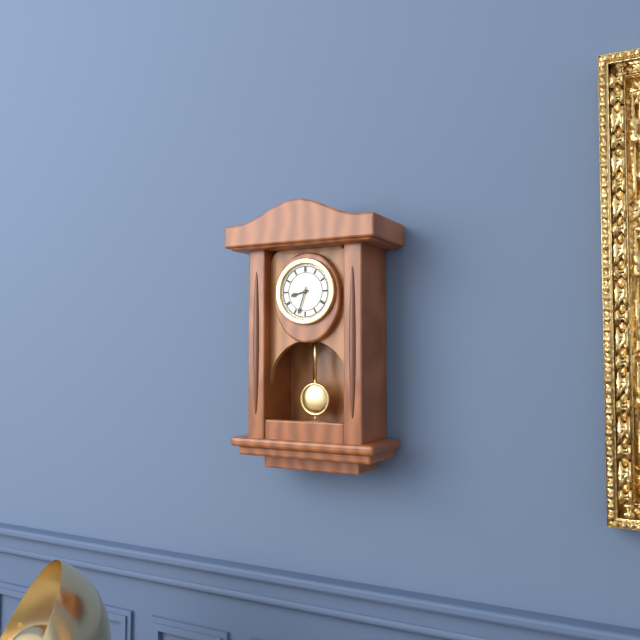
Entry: 8,33
